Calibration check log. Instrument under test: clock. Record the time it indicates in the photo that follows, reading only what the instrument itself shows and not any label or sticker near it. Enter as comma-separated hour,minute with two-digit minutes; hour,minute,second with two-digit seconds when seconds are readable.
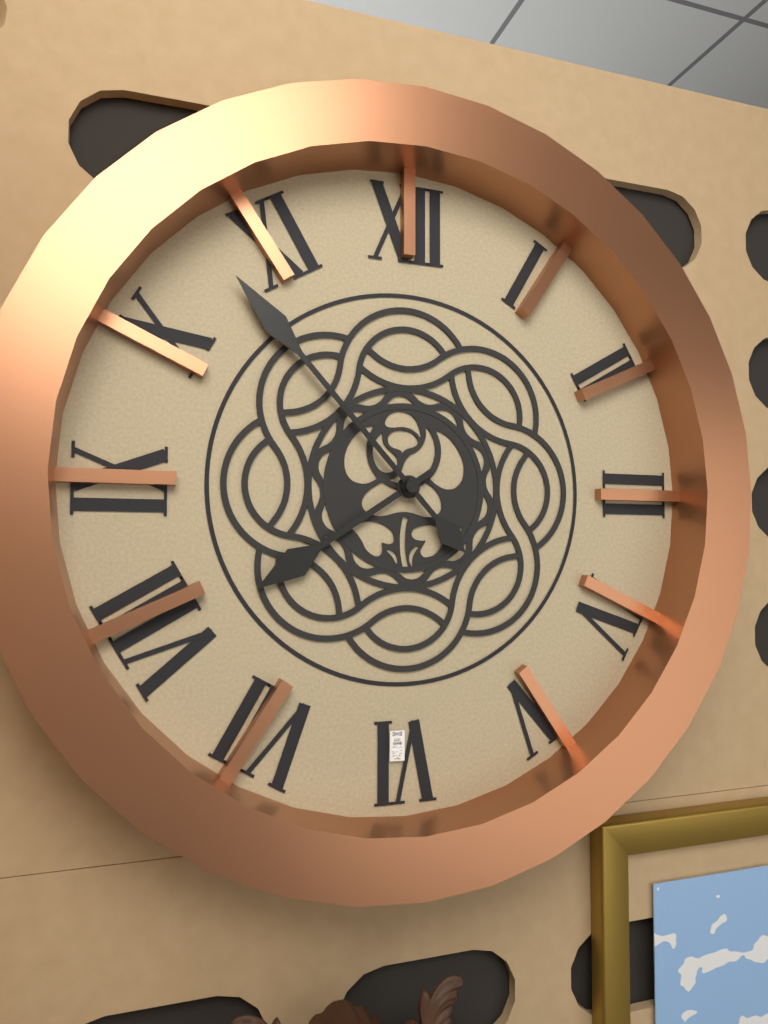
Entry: 7,53
